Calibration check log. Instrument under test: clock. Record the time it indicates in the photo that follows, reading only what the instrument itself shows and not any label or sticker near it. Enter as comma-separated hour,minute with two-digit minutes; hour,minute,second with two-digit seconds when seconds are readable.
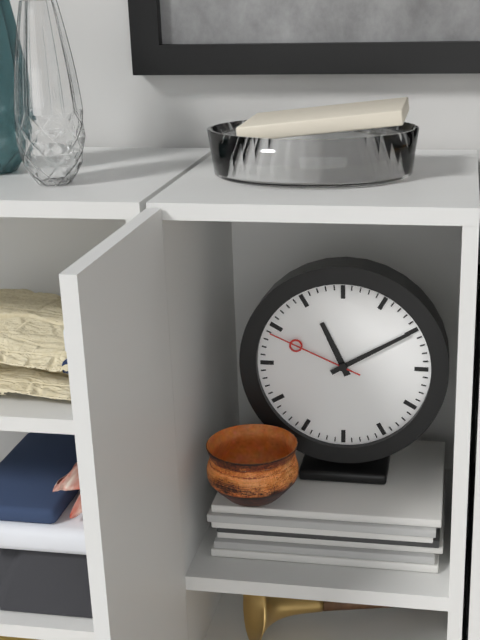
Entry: 11,10,49
